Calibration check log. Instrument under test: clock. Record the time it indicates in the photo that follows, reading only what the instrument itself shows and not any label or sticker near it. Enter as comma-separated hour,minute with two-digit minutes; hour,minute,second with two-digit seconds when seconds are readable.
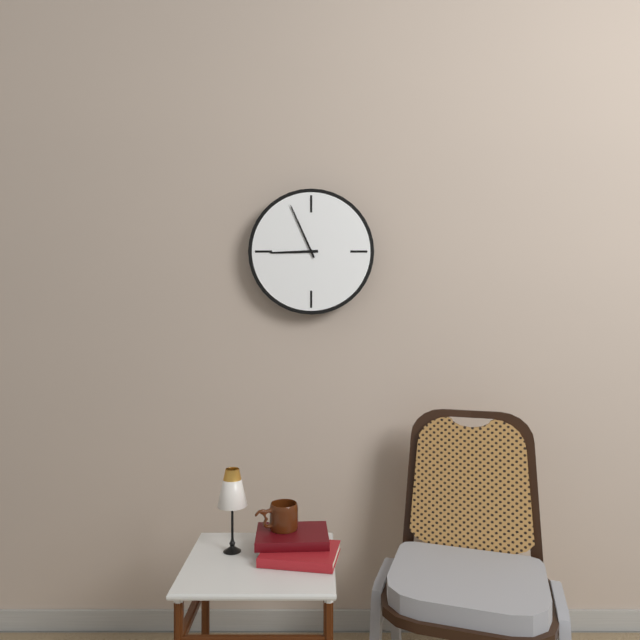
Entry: 8,56
